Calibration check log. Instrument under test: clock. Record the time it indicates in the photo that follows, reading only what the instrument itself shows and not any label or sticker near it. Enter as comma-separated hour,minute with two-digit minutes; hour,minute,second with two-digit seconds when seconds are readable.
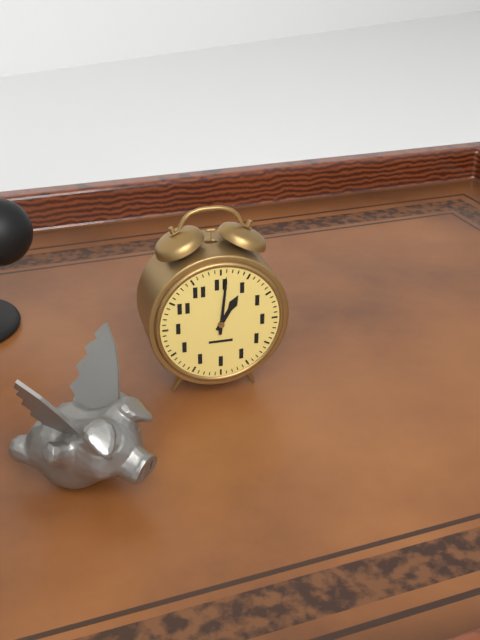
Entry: 1,01
